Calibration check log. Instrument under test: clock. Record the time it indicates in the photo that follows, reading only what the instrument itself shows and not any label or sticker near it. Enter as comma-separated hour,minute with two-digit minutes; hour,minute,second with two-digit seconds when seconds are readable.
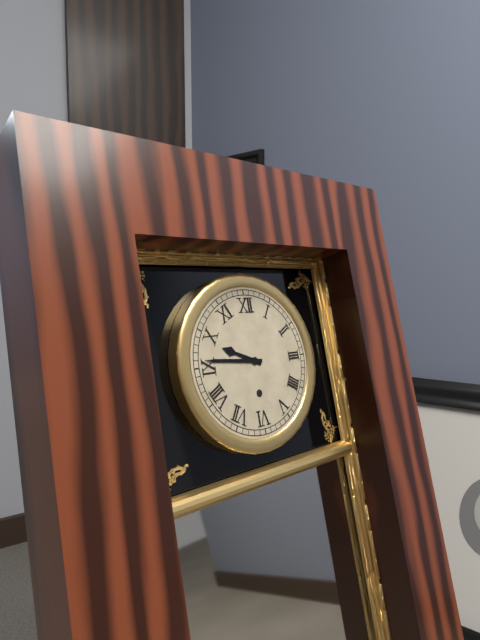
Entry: 9,46
